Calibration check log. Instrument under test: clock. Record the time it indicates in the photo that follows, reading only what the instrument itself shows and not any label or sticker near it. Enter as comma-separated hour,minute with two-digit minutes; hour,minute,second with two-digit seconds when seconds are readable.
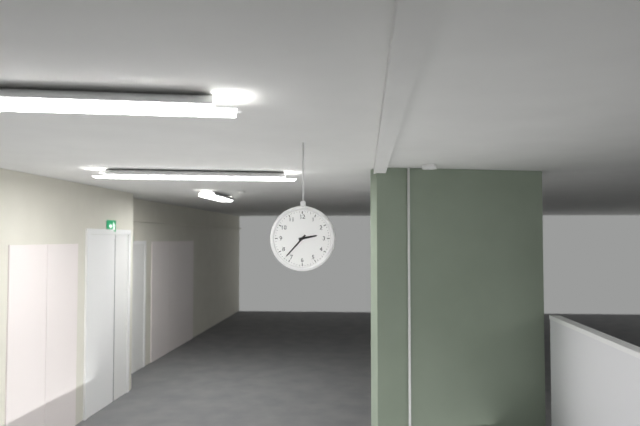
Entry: 2,37
